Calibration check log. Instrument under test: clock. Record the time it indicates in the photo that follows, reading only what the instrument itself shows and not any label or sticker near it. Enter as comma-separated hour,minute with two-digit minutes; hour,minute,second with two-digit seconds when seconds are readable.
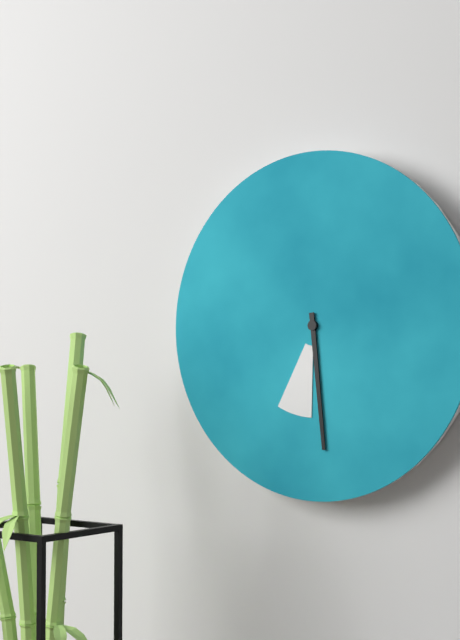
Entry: 6,29
